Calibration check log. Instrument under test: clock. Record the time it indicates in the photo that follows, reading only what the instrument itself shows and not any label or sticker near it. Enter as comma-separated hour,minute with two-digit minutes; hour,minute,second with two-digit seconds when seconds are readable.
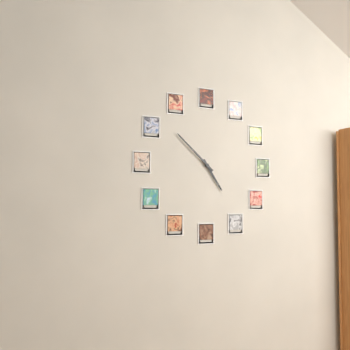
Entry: 4,52
